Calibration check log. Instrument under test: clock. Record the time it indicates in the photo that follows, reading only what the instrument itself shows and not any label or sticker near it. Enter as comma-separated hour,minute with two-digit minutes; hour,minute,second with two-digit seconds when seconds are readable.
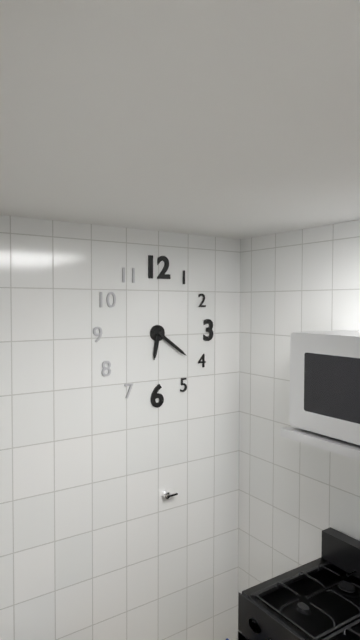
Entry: 6,21
